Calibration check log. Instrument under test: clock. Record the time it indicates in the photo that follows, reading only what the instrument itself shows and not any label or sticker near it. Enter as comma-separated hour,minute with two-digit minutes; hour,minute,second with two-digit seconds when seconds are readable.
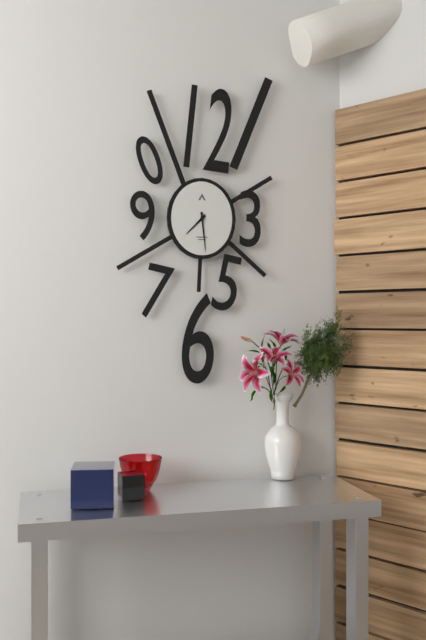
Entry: 7,29
